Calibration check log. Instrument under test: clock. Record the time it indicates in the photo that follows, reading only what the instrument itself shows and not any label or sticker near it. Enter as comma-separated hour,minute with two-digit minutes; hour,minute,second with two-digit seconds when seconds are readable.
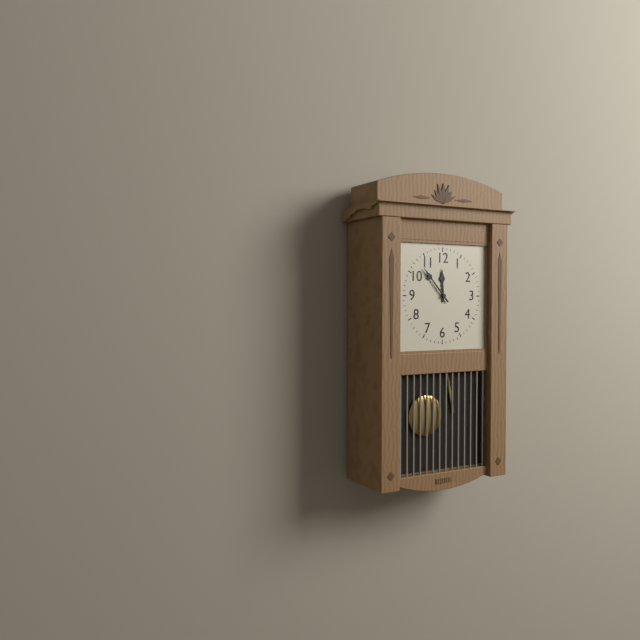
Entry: 11,53
